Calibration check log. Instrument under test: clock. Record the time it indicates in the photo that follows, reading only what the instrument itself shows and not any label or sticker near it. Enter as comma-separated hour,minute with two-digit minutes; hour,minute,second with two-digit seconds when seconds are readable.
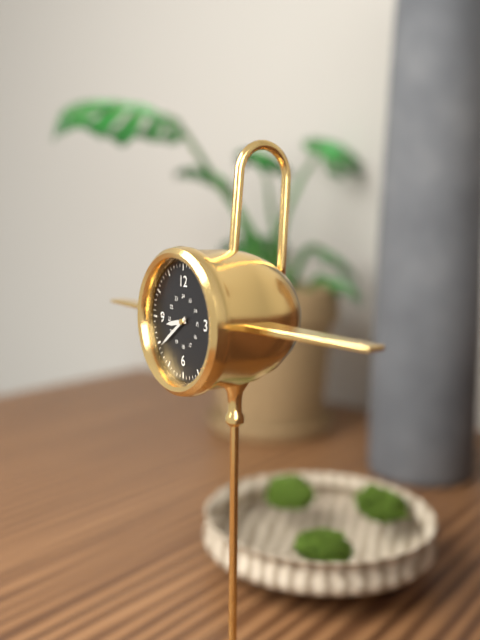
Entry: 8,39
